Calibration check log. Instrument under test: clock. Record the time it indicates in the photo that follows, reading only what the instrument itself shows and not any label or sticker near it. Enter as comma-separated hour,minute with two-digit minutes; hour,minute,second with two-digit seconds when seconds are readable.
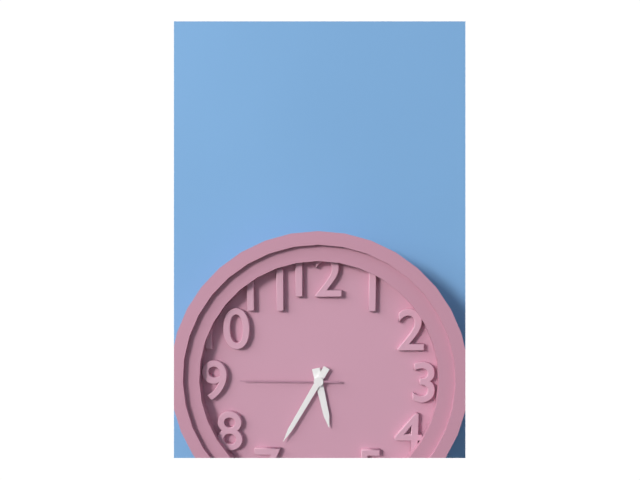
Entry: 5,35,45
